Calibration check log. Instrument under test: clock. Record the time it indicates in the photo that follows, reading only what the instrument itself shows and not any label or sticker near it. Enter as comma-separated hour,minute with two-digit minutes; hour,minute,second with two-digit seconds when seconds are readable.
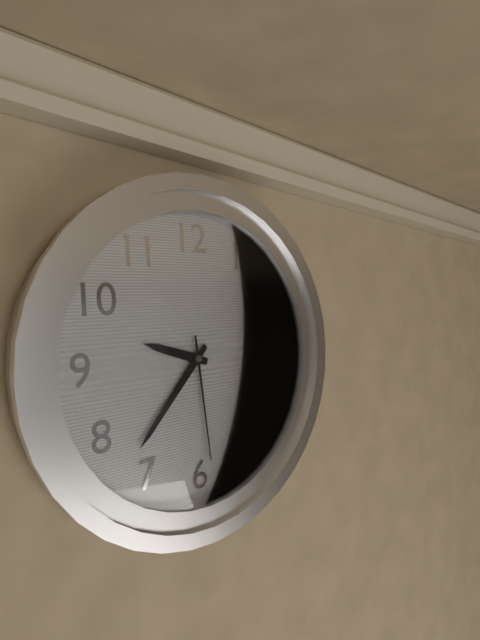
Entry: 9,37,29
